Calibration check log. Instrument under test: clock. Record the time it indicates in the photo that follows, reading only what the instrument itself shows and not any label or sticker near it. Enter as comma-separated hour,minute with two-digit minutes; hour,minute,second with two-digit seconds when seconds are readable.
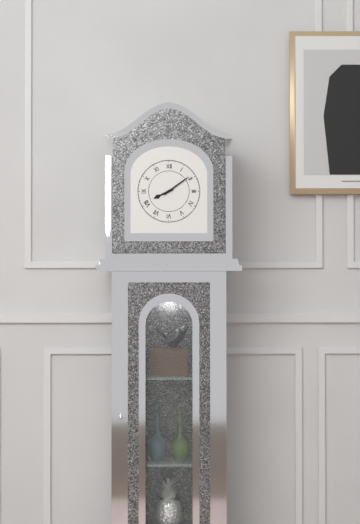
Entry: 8,09
